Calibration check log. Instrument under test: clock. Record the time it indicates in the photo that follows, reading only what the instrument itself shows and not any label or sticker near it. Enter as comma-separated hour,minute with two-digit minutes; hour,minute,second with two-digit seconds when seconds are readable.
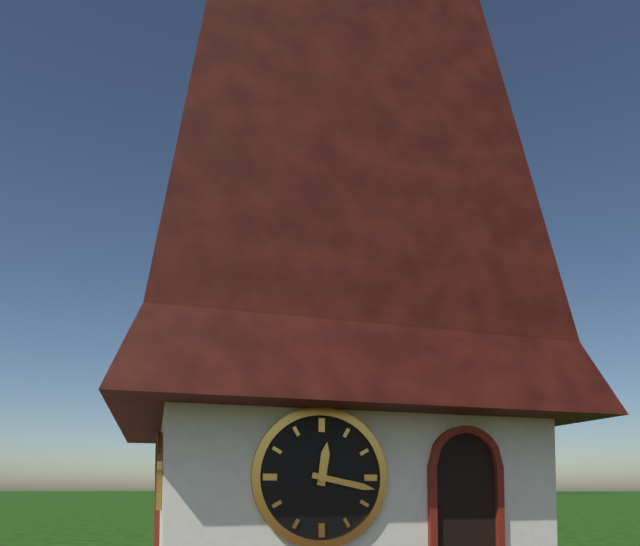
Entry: 12,17
